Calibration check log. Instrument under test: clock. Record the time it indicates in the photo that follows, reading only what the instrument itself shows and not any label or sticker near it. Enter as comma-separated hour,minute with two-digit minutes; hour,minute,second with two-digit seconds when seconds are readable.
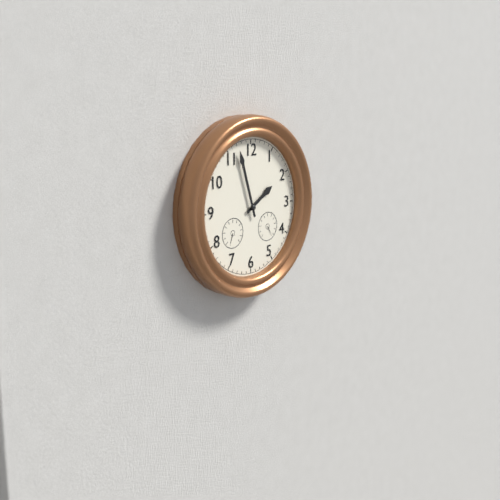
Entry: 1,57
